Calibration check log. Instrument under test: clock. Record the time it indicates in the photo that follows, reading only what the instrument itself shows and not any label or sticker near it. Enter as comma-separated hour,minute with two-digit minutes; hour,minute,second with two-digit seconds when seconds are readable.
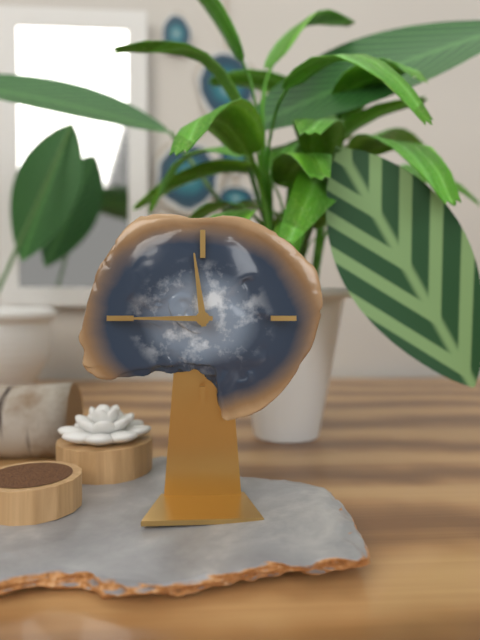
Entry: 11,45
